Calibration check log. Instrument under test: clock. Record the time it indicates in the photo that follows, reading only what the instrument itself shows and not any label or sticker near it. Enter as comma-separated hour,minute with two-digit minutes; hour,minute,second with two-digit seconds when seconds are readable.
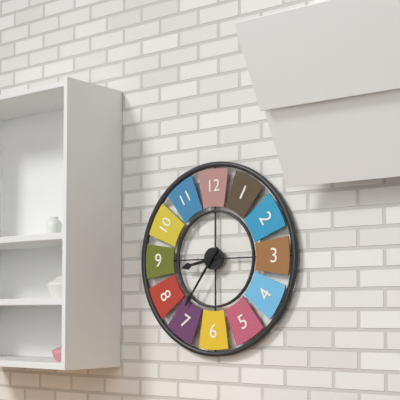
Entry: 8,36
